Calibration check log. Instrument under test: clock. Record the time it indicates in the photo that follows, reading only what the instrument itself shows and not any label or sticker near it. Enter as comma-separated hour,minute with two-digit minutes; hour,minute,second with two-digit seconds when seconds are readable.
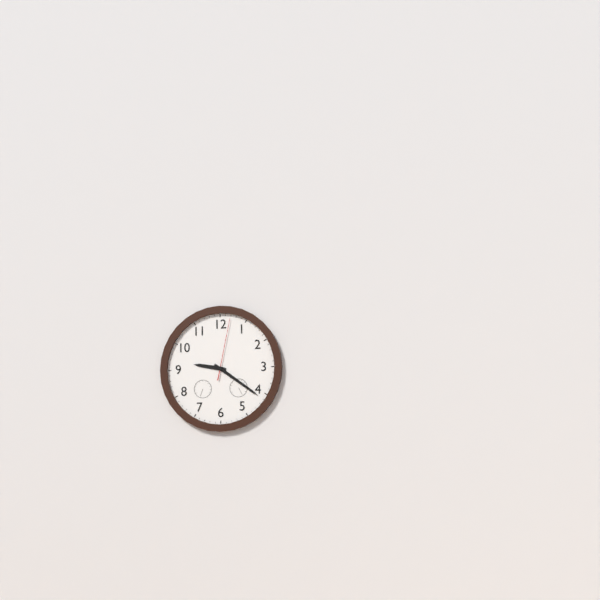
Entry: 9,21,02
